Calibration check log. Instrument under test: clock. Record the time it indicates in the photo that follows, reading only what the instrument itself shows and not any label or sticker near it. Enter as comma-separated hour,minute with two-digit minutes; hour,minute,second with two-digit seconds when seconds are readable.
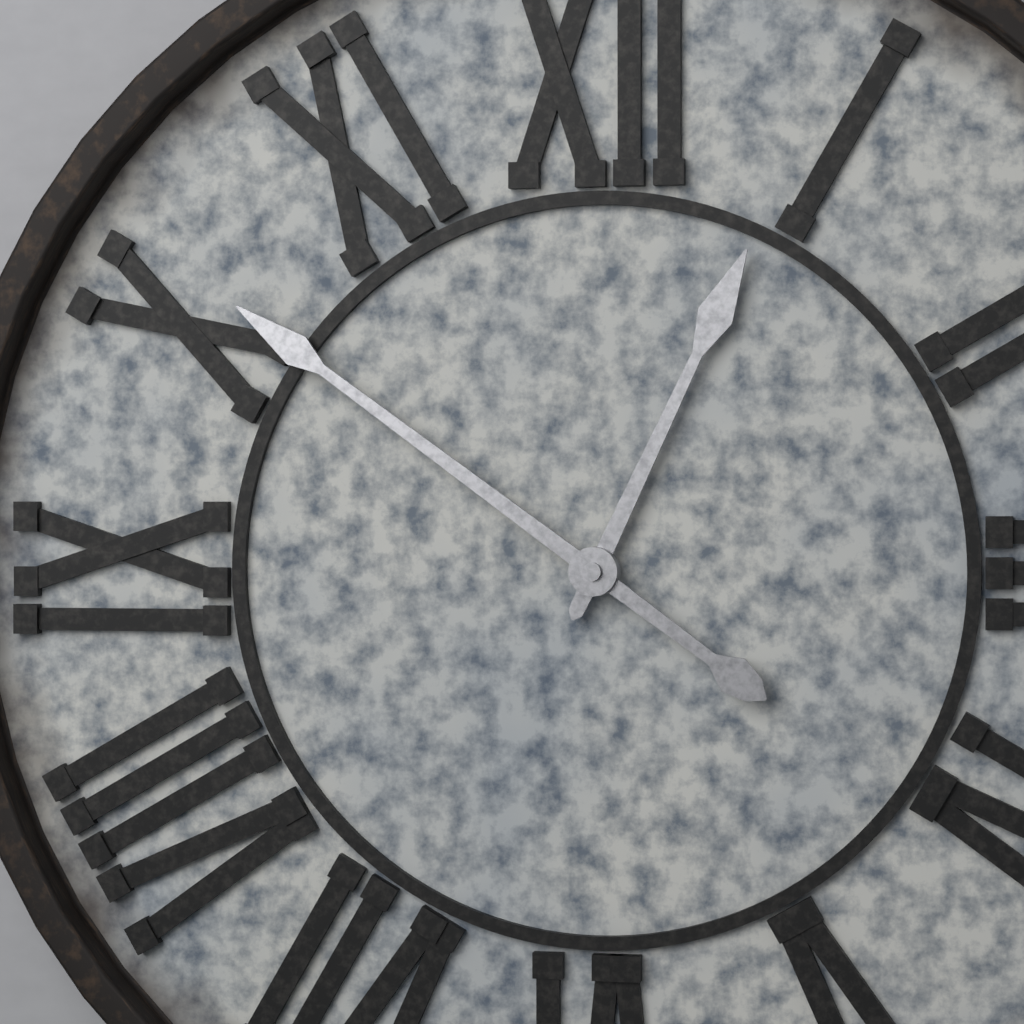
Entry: 12,51
